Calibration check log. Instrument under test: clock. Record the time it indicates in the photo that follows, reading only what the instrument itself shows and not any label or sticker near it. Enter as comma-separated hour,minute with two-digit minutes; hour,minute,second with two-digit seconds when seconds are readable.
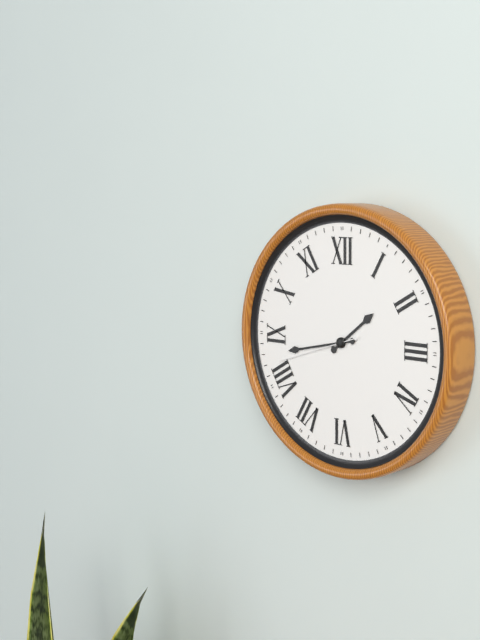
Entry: 1,43,42
